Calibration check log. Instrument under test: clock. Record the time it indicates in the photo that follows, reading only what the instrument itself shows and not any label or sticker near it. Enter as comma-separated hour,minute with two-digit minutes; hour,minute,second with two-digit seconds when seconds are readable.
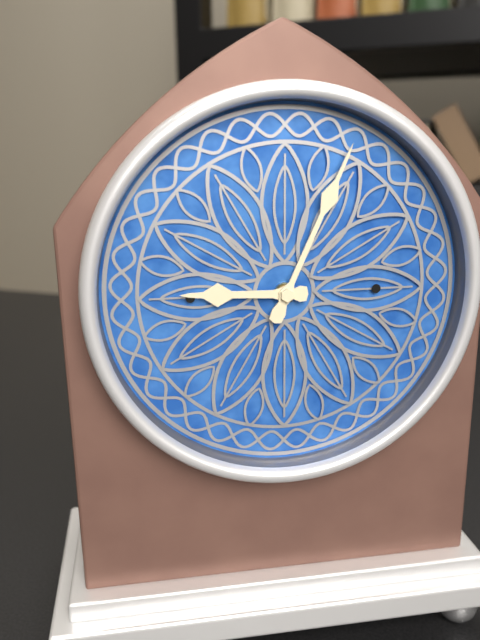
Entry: 9,04
